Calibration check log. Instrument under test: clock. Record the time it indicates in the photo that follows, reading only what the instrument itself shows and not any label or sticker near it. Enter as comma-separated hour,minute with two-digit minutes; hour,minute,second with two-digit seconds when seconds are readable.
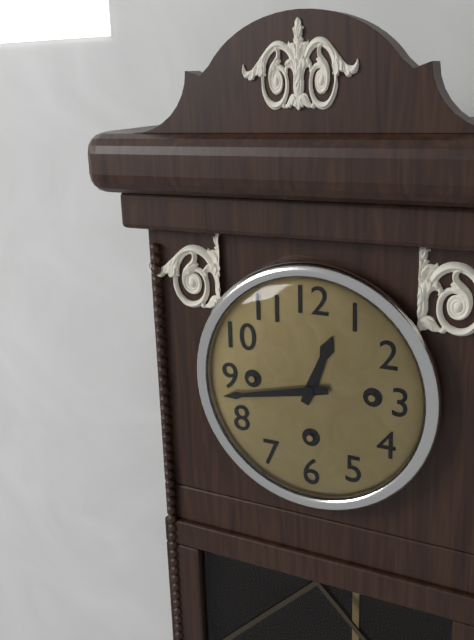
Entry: 12,43
